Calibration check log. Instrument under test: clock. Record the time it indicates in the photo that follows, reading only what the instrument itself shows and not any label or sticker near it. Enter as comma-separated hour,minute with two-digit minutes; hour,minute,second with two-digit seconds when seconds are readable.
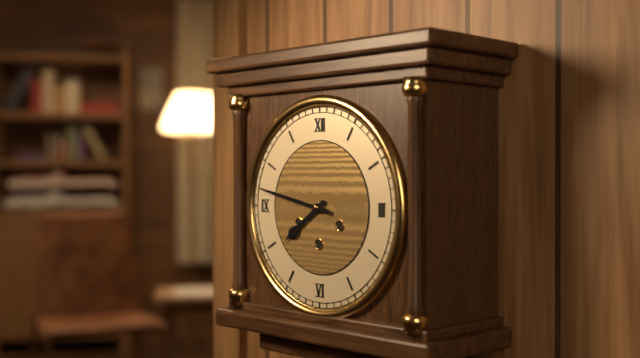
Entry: 7,47
